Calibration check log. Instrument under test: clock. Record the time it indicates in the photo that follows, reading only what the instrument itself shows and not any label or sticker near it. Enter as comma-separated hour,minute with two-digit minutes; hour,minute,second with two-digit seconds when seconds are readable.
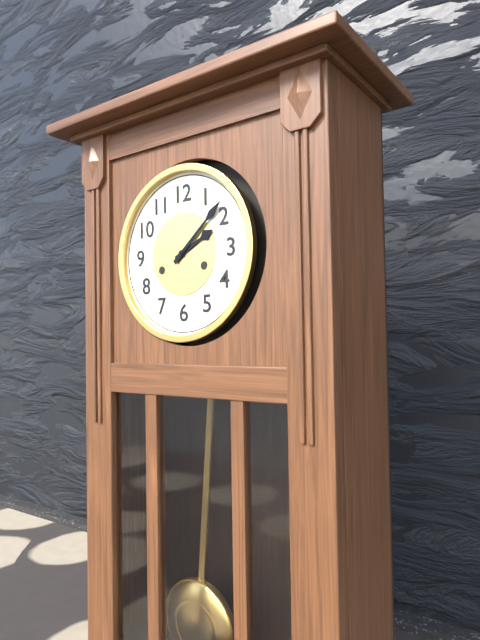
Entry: 2,08
